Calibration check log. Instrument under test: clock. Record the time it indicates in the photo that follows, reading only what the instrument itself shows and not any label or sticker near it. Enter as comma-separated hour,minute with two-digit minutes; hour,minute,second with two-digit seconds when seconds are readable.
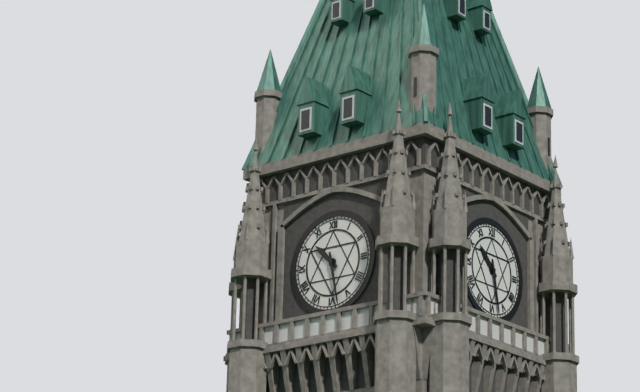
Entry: 10,28
